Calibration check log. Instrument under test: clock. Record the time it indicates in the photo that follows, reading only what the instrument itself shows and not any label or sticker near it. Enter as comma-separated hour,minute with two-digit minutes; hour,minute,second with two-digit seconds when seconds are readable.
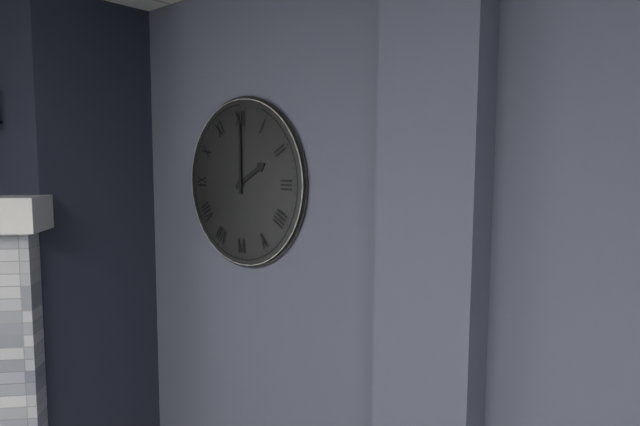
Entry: 2,00
